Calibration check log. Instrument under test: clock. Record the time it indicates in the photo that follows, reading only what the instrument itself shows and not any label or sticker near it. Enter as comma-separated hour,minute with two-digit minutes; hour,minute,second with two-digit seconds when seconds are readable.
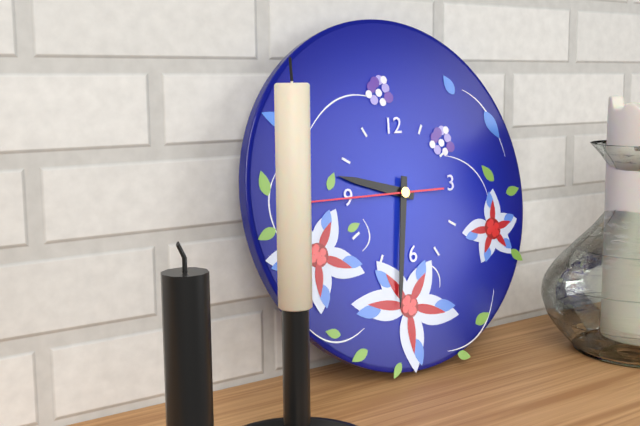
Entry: 9,32,45
